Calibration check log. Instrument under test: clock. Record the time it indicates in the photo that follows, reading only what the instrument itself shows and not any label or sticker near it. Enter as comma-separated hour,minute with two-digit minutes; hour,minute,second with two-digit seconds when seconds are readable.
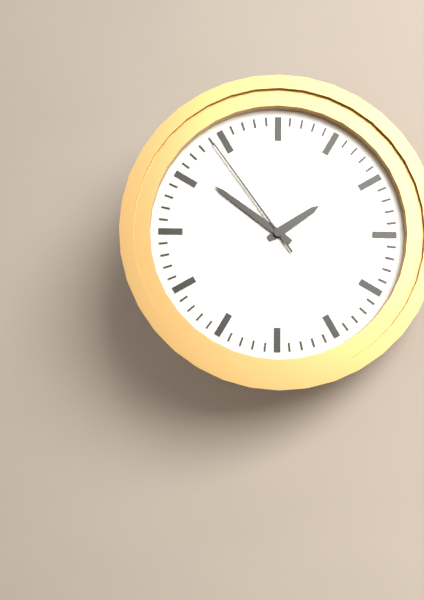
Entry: 1,51,54
